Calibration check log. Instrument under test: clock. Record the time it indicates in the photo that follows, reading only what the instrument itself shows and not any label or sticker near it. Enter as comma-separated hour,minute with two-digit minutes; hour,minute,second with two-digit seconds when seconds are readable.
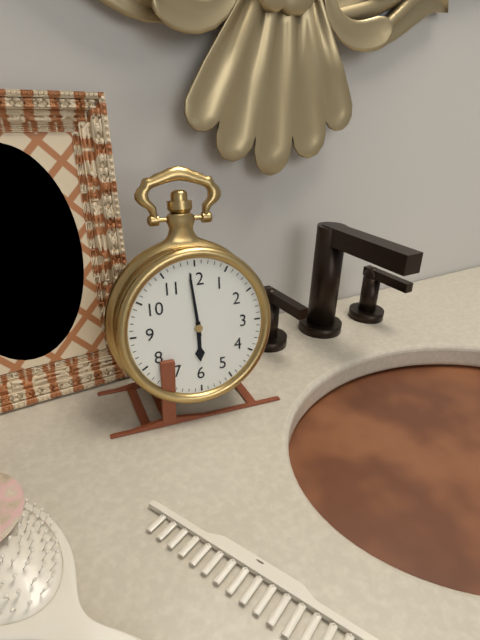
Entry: 5,59
